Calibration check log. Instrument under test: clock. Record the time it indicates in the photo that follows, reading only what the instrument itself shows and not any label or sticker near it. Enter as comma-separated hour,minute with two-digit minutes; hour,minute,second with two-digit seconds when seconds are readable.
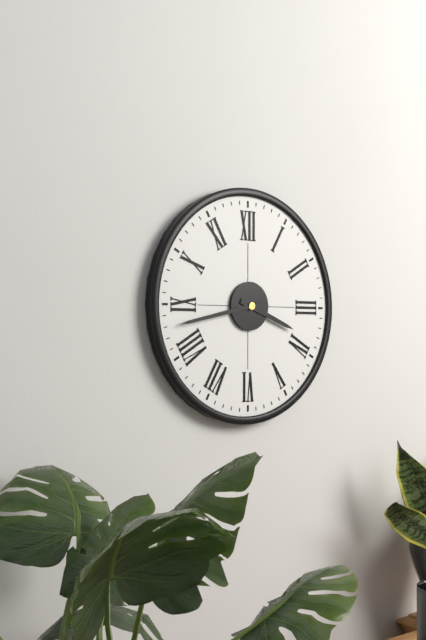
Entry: 3,43
